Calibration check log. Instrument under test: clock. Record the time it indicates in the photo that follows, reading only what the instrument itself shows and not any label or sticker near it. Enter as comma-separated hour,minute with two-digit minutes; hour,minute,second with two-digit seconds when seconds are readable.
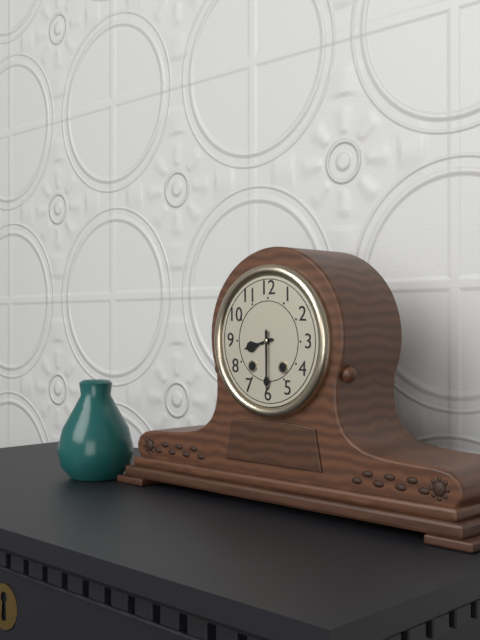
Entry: 8,30
